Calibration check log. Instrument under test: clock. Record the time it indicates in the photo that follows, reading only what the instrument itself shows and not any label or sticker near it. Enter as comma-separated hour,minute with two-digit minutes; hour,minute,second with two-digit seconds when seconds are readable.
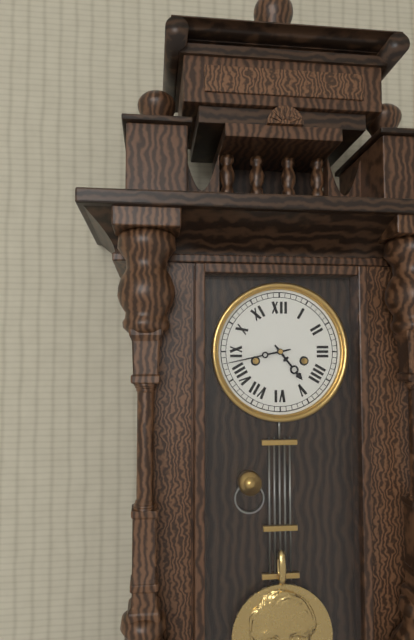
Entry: 4,43
